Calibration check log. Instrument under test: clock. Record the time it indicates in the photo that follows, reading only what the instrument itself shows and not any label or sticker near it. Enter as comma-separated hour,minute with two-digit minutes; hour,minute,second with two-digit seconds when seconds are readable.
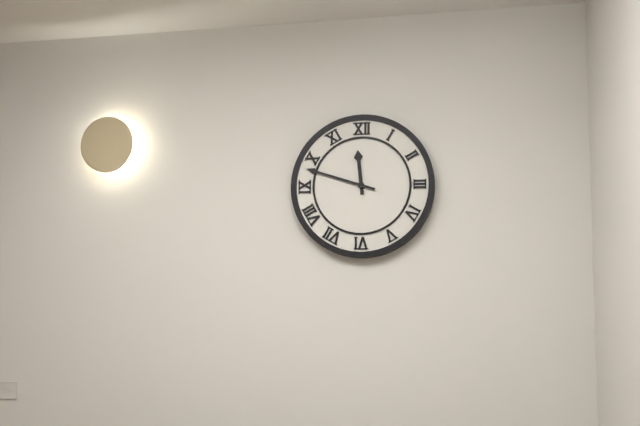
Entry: 11,48
